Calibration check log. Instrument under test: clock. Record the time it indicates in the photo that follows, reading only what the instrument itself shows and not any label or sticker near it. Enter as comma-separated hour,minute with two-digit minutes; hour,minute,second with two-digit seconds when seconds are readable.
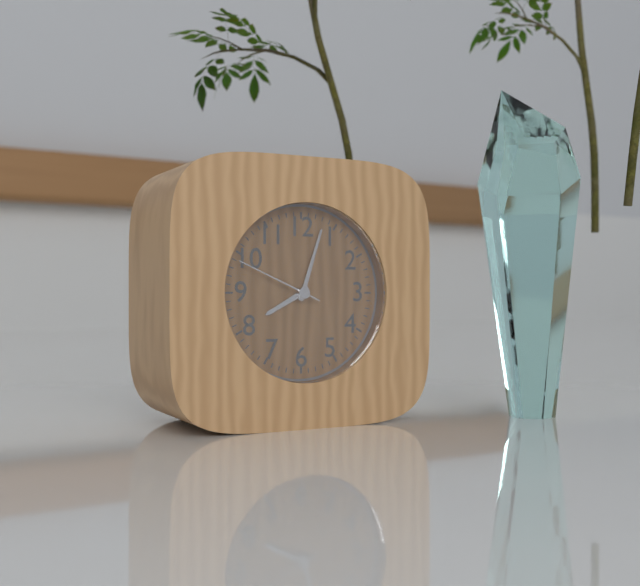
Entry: 8,03,49
